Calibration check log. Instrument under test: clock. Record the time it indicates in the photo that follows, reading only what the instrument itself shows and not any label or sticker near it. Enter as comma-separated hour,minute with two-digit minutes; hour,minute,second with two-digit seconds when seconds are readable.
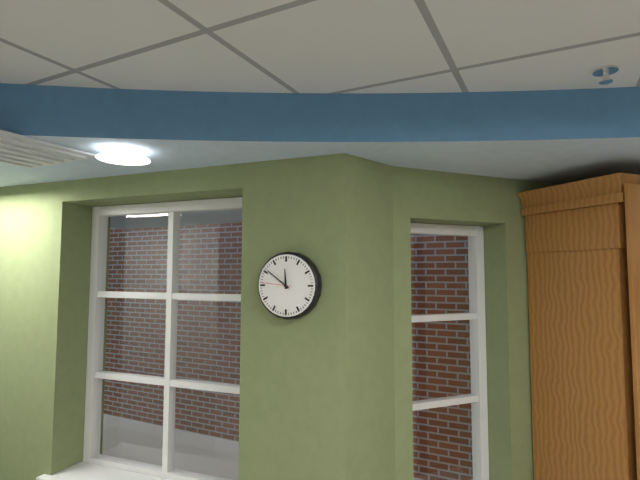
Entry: 11,51
